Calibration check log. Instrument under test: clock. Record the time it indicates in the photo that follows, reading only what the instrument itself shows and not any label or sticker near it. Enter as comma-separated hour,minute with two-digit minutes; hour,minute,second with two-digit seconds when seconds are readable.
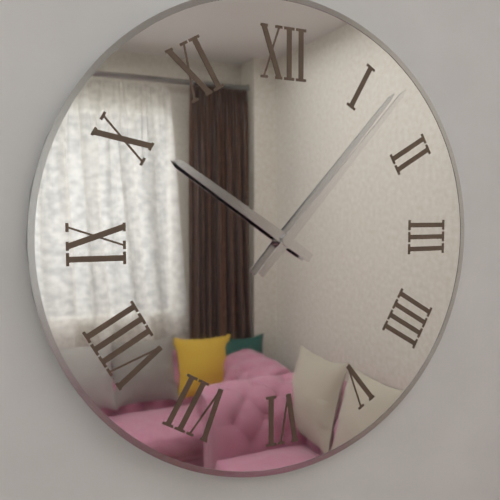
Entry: 10,07
